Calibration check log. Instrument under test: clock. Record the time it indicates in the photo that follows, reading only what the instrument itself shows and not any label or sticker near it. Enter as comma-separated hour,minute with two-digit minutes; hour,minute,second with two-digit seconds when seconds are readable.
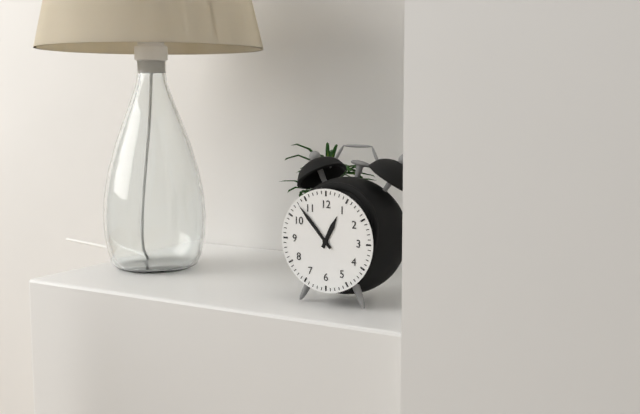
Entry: 12,53
